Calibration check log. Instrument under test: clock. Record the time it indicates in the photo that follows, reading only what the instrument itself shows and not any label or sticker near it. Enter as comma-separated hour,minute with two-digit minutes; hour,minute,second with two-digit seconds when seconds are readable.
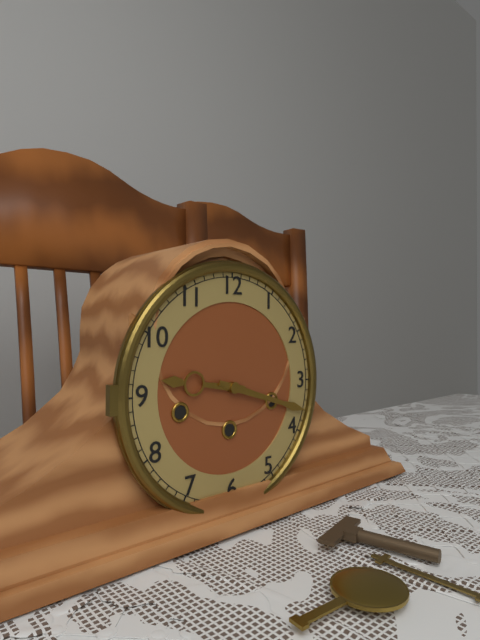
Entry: 9,18
